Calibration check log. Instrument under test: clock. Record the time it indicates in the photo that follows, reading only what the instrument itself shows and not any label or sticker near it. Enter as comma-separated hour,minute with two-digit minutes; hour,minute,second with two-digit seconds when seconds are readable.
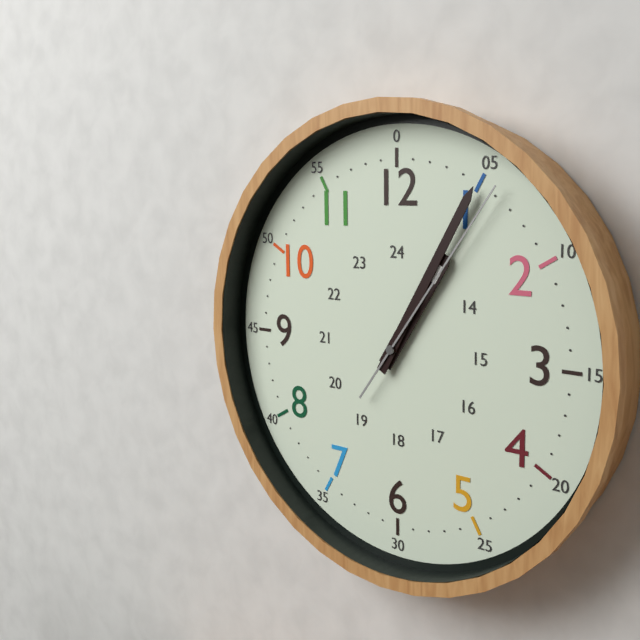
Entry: 1,05,06
